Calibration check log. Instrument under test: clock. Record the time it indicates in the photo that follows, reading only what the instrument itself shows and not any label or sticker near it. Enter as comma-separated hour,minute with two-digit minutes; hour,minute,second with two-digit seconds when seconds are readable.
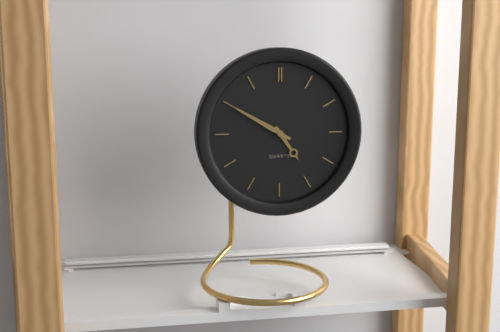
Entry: 4,50
